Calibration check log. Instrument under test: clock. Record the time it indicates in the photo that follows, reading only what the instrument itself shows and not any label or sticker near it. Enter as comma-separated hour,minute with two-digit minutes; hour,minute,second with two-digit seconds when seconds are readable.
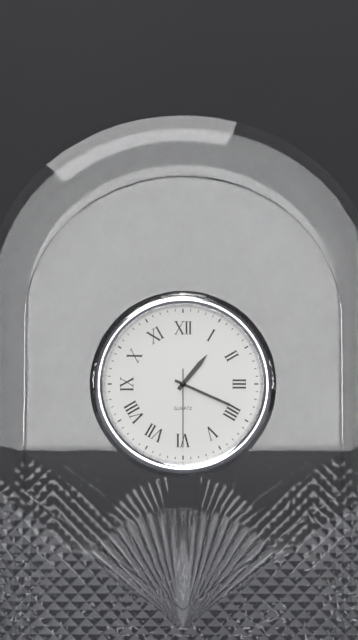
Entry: 1,19,30
